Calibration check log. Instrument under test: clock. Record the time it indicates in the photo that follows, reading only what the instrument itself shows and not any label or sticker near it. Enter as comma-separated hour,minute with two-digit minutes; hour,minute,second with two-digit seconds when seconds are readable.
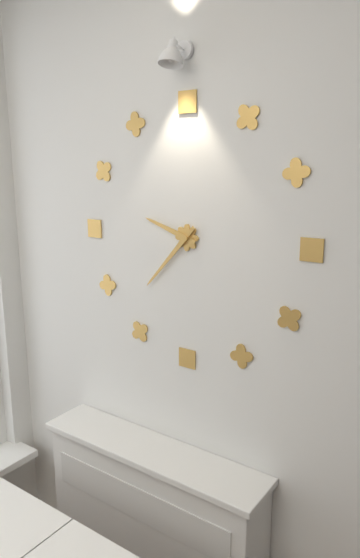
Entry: 9,37
